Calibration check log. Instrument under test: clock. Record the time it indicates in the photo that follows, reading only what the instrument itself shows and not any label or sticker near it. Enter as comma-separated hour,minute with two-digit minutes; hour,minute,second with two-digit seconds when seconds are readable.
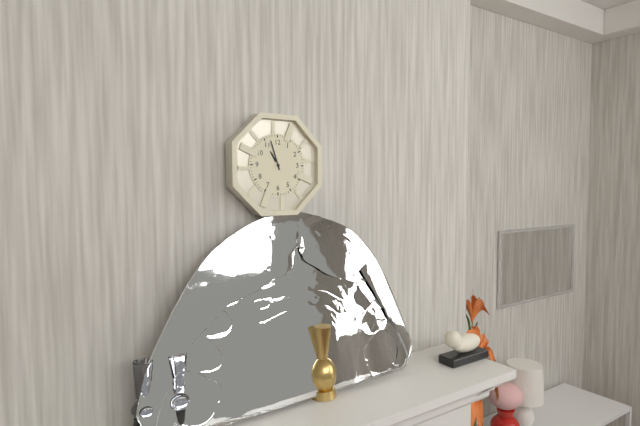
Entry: 10,57
